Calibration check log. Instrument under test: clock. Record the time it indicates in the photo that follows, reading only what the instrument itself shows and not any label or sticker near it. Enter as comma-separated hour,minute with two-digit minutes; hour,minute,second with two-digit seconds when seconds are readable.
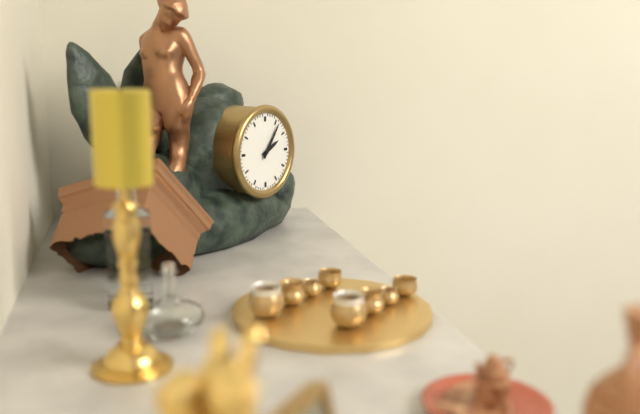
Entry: 2,06
